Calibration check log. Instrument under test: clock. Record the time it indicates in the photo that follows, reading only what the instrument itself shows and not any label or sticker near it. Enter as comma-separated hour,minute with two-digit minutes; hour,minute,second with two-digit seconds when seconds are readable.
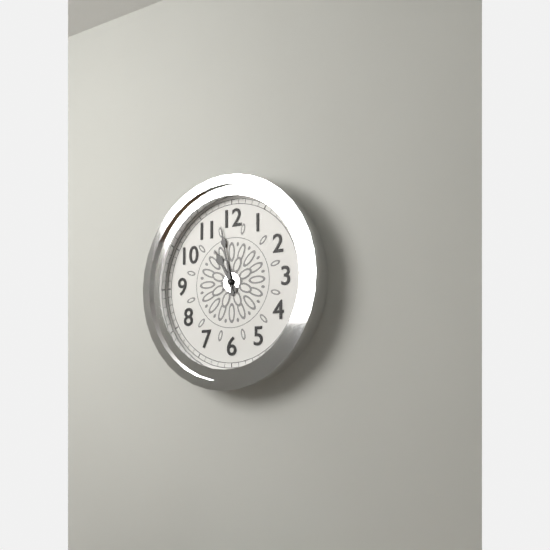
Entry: 10,58
